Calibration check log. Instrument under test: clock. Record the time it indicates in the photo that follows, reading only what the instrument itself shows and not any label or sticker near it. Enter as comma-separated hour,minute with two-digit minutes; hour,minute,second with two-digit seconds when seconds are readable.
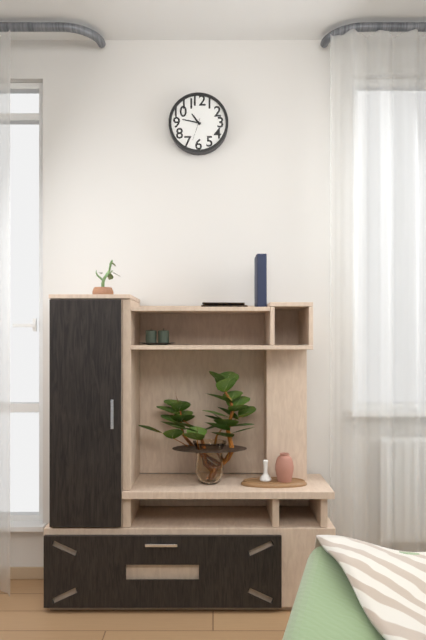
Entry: 10,47
